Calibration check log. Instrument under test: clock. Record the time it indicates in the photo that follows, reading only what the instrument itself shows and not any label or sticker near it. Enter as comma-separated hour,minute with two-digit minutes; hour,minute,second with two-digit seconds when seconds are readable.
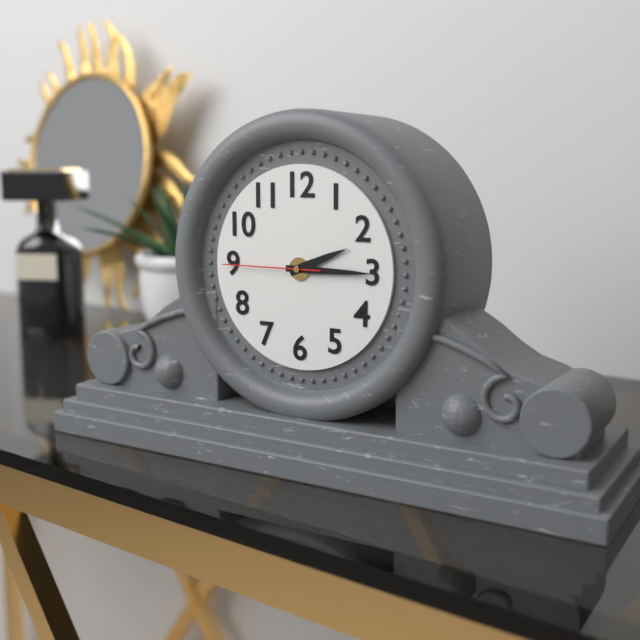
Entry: 2,15,45
